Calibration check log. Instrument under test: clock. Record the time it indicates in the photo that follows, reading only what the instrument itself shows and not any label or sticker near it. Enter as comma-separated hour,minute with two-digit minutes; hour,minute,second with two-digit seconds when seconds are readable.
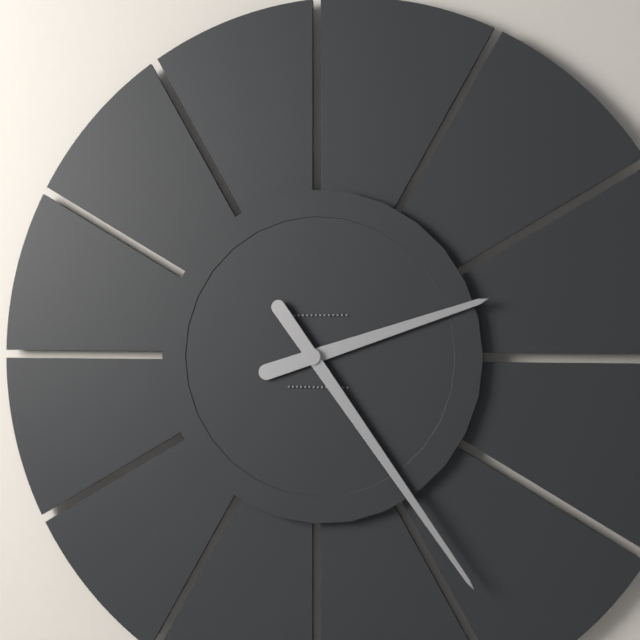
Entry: 2,24
